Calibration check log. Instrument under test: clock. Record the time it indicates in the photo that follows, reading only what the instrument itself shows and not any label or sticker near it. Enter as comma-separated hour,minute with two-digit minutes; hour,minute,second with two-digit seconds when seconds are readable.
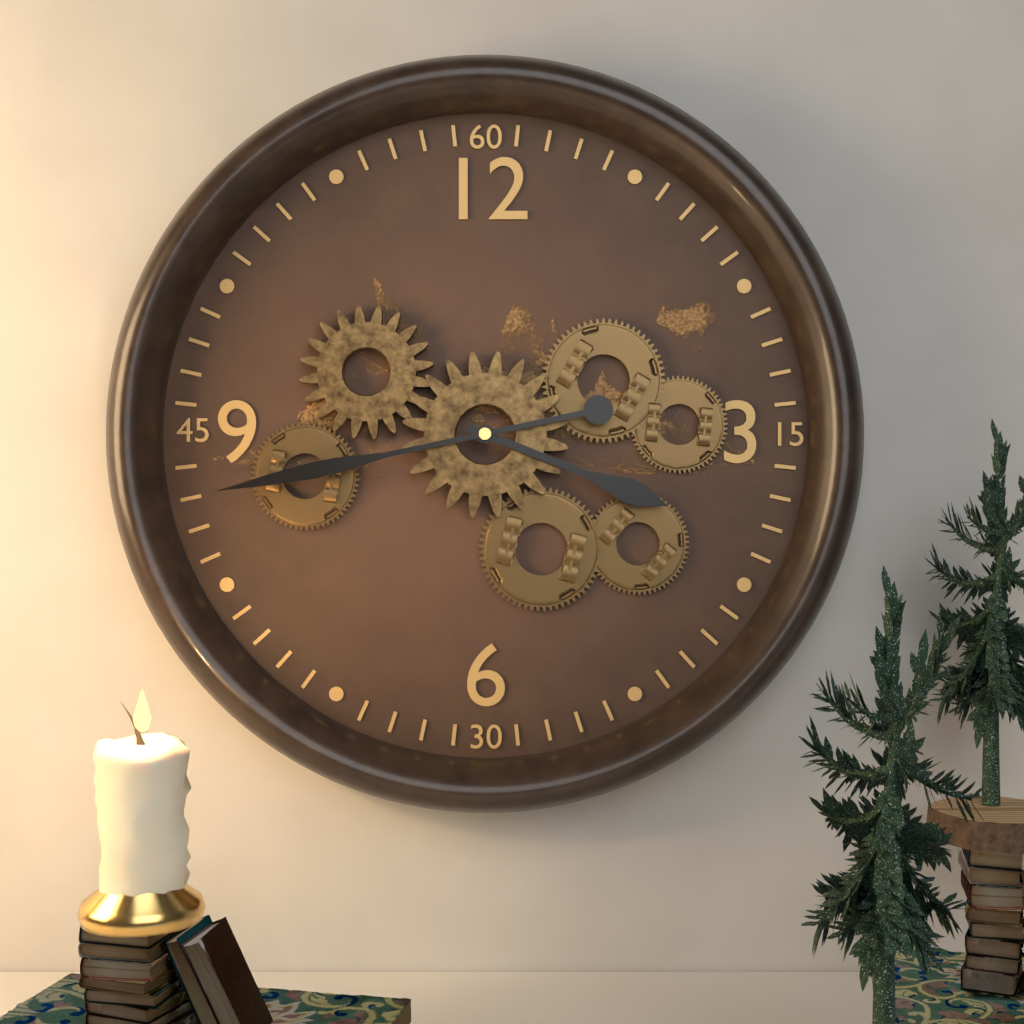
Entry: 3,43
